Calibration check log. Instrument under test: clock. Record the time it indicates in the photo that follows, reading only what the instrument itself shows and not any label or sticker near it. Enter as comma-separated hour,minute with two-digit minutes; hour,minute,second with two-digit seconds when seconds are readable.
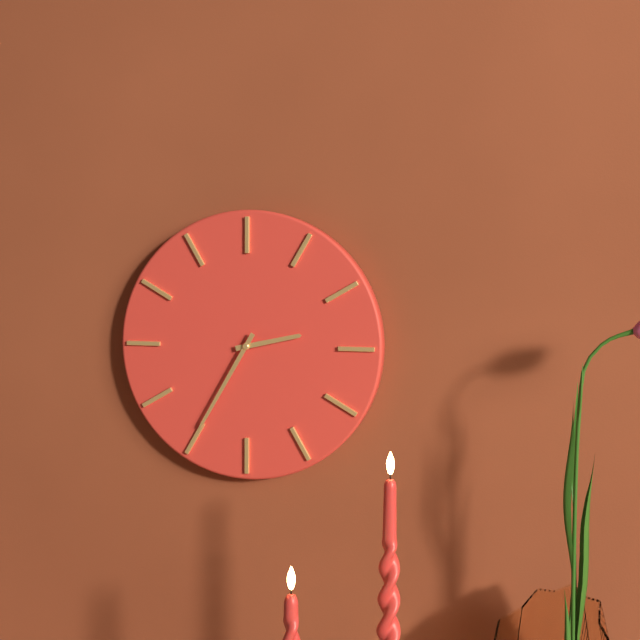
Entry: 2,35
